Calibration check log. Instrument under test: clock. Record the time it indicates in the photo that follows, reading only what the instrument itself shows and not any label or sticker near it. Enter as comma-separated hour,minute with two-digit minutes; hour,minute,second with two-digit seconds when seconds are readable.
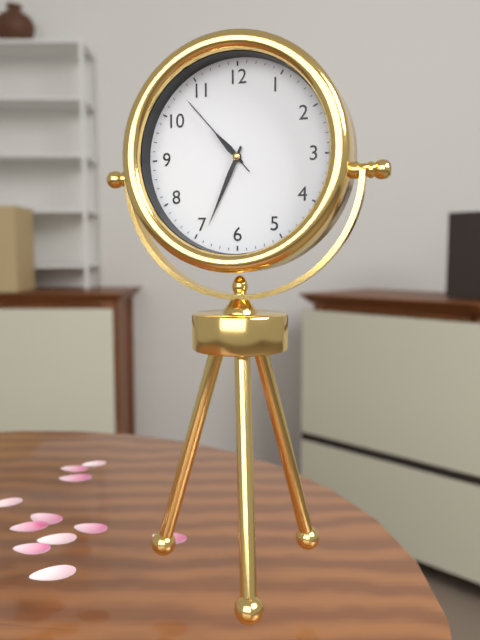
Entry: 10,34,53
